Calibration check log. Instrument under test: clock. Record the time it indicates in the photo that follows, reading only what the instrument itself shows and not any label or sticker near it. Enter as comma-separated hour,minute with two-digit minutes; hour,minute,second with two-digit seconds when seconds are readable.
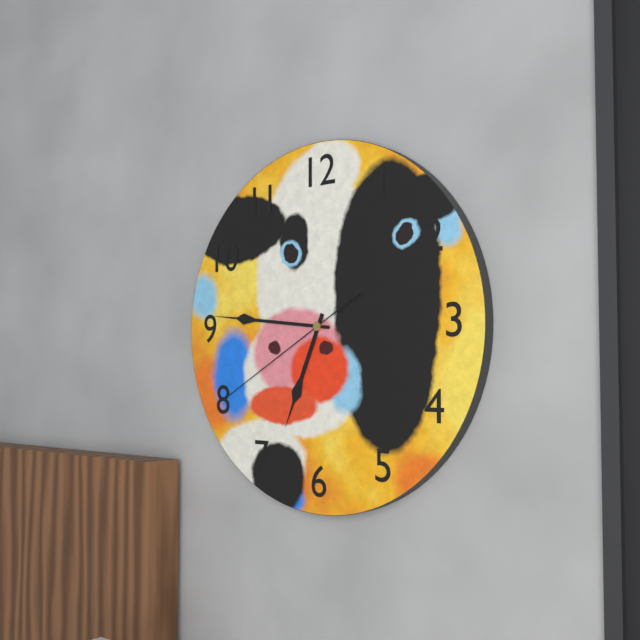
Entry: 6,46,40
